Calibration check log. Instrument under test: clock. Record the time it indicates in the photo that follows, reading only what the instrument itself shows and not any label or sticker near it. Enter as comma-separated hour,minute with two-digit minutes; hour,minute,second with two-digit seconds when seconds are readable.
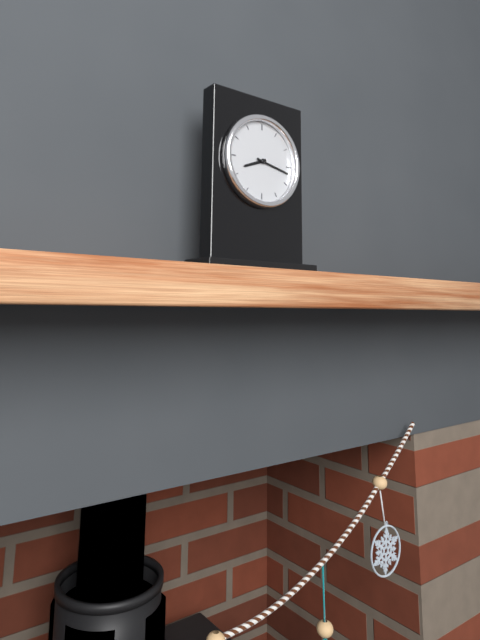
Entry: 8,17
